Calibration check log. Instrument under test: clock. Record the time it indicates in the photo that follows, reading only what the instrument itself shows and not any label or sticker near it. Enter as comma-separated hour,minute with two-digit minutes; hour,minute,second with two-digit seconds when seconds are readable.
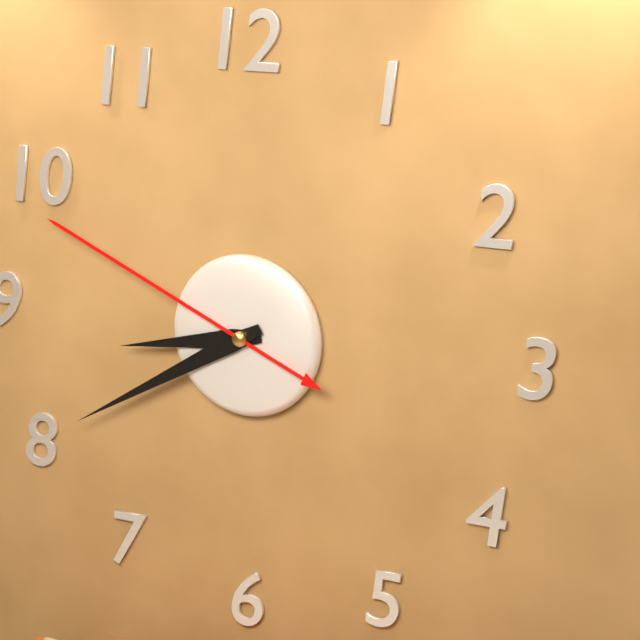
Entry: 8,40,49
